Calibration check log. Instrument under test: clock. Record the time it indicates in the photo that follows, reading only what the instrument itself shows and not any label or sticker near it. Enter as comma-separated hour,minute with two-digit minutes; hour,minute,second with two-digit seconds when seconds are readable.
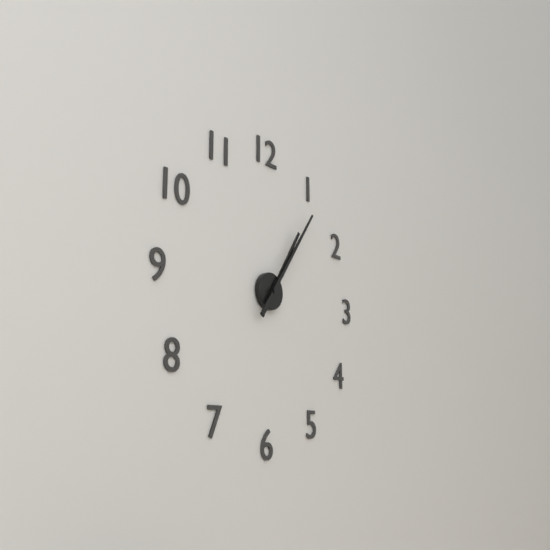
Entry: 1,06
